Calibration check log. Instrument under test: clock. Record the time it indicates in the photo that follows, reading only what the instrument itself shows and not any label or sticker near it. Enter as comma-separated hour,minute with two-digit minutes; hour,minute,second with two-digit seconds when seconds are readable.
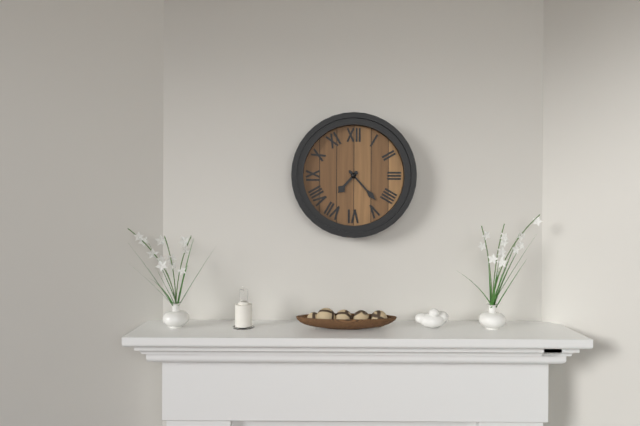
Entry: 7,23
